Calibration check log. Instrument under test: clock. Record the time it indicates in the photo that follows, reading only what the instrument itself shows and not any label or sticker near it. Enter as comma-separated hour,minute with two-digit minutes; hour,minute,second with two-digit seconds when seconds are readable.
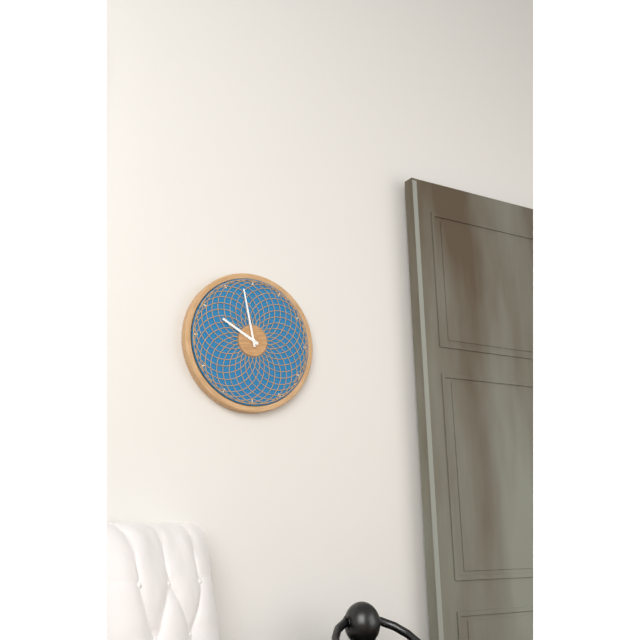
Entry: 9,58
